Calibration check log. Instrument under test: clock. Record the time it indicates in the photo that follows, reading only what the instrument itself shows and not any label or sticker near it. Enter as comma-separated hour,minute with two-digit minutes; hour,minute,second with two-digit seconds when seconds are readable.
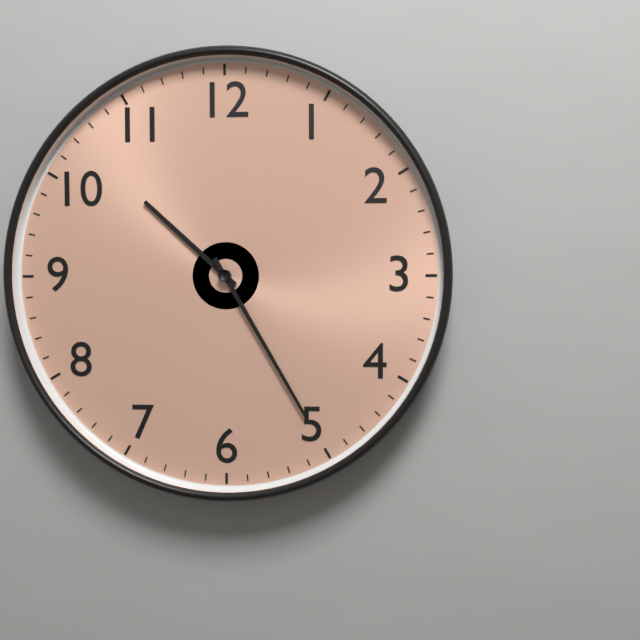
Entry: 10,25
